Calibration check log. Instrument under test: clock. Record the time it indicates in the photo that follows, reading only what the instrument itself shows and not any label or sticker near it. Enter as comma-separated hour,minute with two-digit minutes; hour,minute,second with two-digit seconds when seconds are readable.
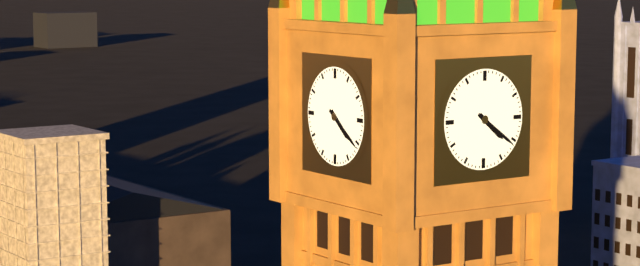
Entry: 4,21
